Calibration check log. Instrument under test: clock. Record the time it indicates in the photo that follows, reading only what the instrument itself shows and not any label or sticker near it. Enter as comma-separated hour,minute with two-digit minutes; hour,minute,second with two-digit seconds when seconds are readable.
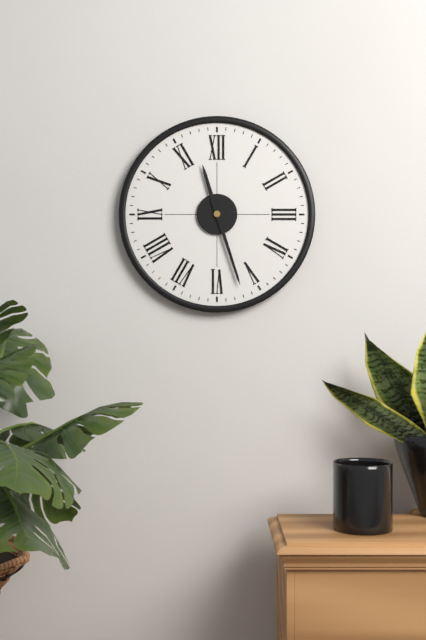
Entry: 11,27
